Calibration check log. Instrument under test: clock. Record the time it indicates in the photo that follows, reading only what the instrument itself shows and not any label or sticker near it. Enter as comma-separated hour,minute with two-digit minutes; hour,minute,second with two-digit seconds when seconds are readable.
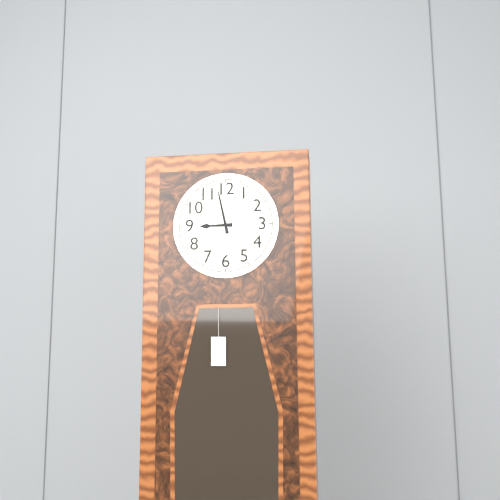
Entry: 8,58
